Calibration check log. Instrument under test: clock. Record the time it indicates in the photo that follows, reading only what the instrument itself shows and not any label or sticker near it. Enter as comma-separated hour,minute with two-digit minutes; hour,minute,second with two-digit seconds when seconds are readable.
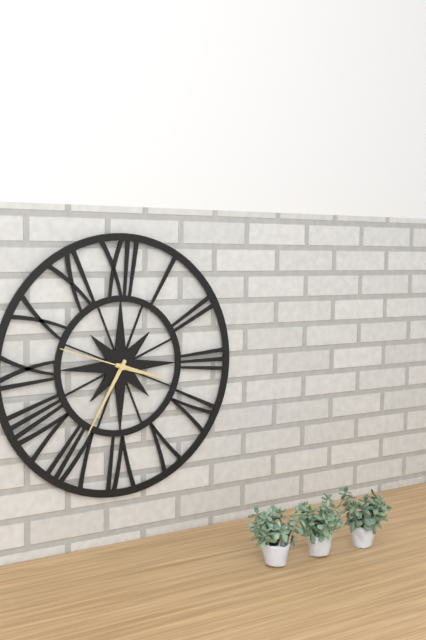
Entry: 3,35,48
